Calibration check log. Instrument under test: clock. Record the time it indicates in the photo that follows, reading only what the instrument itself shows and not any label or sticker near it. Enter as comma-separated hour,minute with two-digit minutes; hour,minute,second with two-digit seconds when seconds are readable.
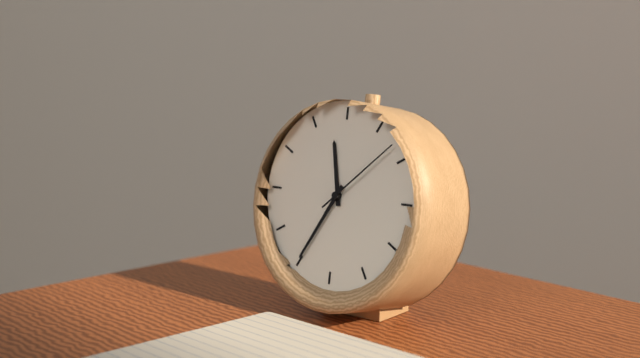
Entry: 11,35,08
